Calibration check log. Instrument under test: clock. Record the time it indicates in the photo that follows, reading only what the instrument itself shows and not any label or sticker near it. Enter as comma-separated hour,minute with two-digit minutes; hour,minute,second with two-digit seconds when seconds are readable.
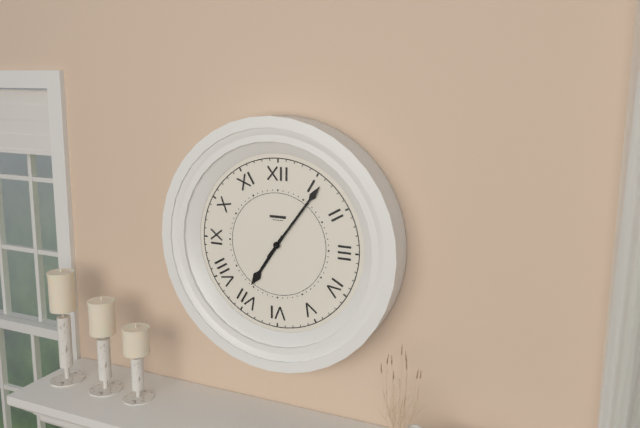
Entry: 7,06
